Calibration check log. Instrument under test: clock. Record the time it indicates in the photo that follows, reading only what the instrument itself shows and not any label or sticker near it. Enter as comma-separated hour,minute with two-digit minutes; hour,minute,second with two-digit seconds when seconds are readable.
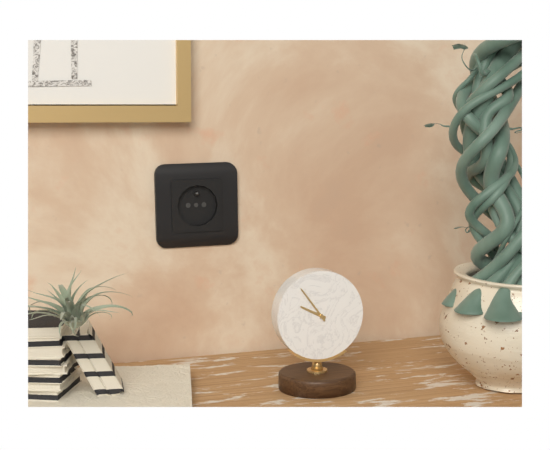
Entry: 9,54
